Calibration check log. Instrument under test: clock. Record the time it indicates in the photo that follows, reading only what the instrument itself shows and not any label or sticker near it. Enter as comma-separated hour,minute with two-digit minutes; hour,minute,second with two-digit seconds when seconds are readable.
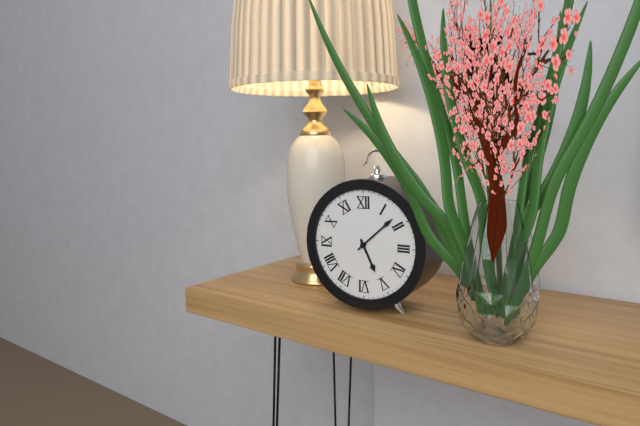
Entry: 5,08
